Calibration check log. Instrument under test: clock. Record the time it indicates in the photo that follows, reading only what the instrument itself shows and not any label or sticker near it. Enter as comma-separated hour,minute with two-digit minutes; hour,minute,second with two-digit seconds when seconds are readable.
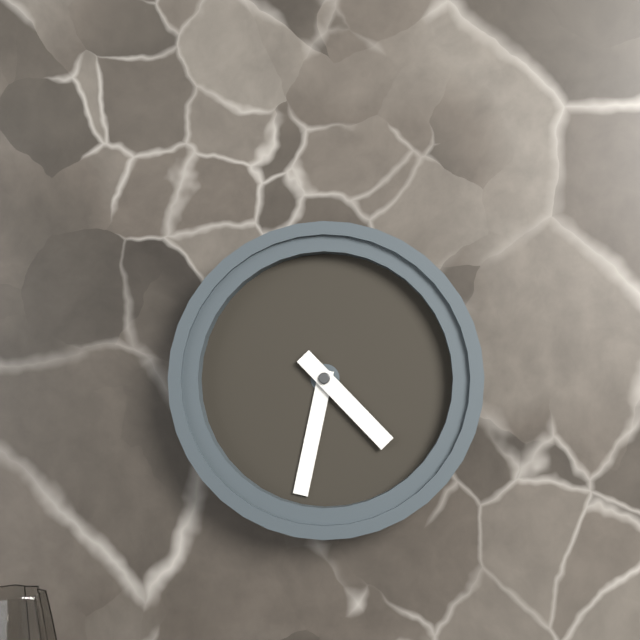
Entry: 4,32
